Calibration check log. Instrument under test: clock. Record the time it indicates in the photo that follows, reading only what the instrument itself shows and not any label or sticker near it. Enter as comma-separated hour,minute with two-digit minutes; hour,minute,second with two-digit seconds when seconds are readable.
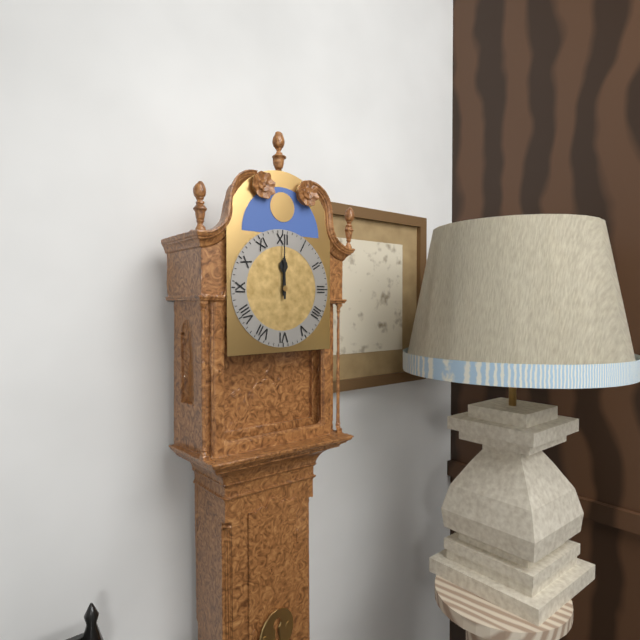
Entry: 12,00
